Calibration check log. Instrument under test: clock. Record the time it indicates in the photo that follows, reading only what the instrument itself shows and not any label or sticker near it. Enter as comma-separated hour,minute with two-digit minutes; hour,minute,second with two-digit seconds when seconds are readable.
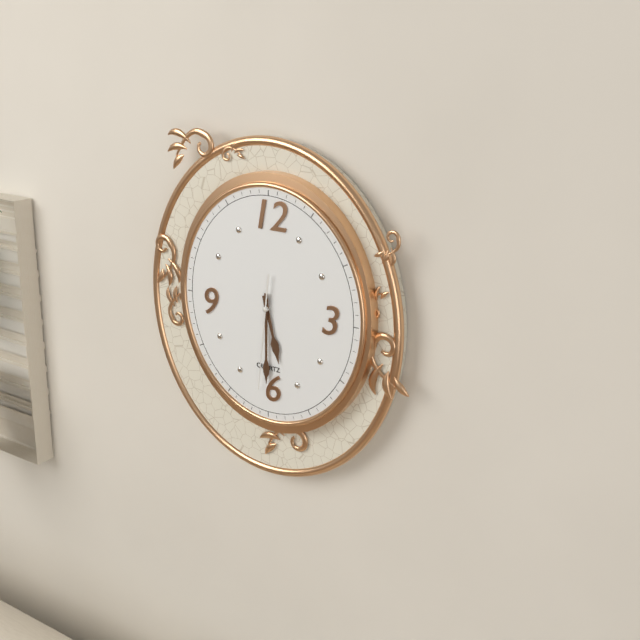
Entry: 5,30,31
